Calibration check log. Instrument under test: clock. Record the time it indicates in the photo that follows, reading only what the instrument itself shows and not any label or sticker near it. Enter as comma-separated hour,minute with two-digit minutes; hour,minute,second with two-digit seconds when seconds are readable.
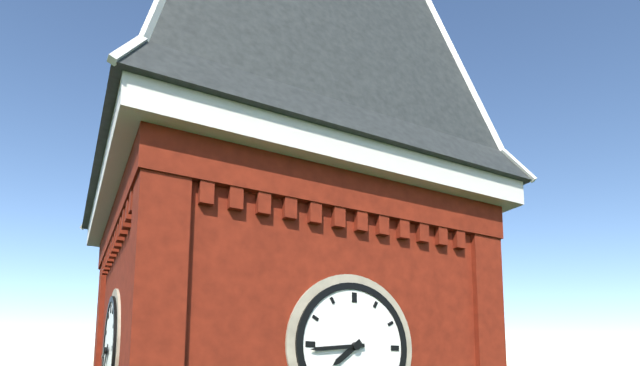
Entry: 7,44
